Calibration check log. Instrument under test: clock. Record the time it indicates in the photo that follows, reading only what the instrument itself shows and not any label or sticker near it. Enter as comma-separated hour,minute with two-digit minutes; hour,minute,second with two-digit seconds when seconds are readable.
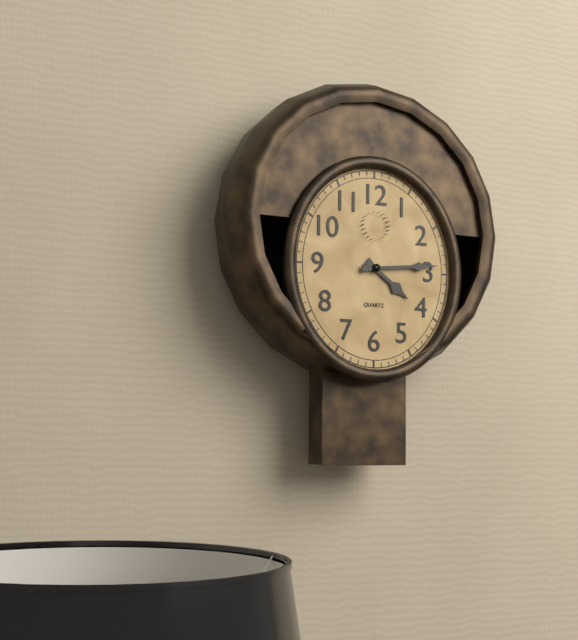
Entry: 4,14
